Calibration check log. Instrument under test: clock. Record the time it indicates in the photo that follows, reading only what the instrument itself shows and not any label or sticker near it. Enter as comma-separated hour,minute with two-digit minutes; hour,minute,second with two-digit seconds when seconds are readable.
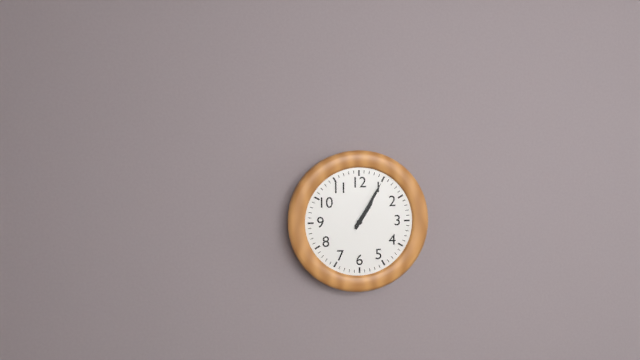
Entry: 1,05
